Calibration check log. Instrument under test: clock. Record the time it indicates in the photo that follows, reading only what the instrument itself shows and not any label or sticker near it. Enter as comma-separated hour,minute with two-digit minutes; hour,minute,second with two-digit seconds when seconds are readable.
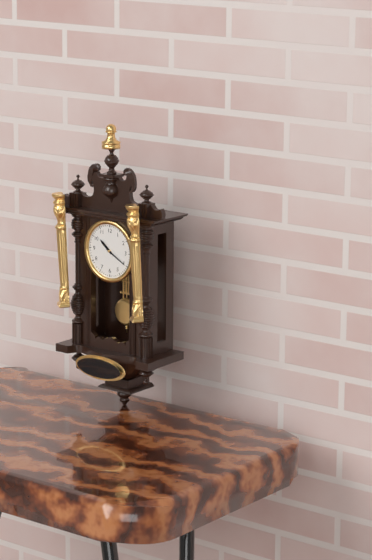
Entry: 10,20
